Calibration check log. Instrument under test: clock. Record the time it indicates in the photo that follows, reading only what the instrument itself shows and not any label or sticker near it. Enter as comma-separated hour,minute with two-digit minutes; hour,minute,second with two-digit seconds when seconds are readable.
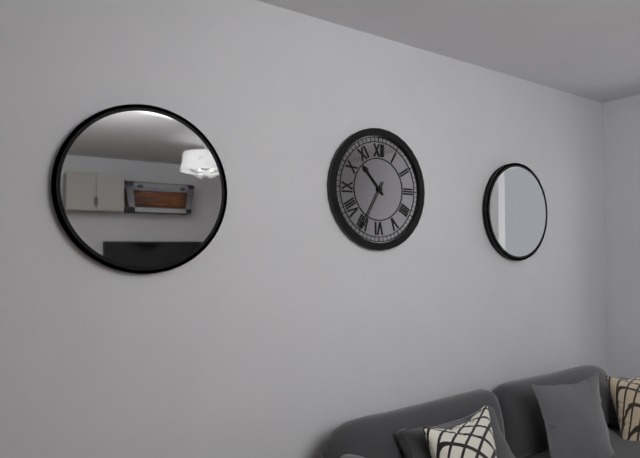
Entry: 10,35
